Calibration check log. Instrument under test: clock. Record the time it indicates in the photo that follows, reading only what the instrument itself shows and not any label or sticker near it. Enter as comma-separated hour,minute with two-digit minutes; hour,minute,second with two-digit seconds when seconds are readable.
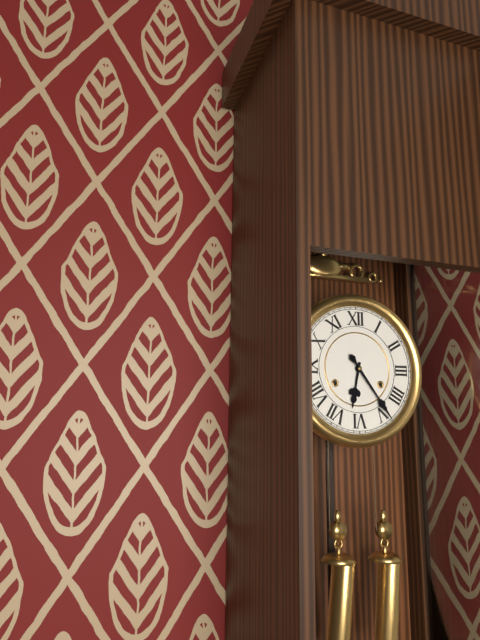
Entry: 6,24
